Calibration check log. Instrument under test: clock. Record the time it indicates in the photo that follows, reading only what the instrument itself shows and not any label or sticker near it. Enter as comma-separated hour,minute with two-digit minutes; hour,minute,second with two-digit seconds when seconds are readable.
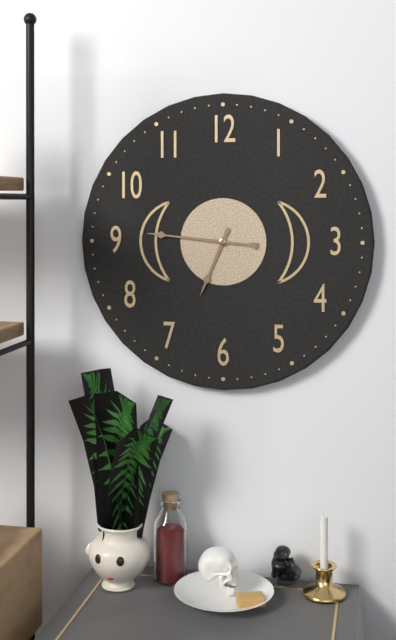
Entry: 6,46
